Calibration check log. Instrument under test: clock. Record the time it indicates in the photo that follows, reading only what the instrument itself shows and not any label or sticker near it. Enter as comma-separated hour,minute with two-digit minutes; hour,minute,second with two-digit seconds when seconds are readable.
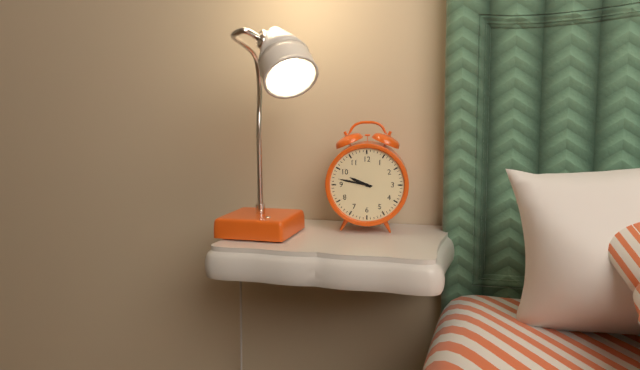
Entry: 9,47
